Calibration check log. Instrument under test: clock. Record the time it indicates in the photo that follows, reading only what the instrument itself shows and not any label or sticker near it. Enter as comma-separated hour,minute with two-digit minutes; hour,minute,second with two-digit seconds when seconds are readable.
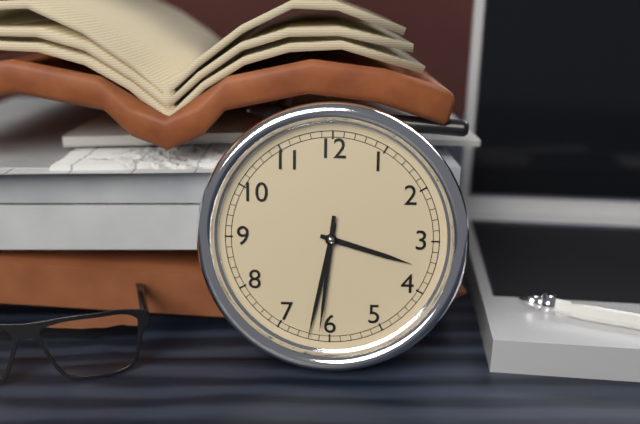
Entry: 3,32,31
